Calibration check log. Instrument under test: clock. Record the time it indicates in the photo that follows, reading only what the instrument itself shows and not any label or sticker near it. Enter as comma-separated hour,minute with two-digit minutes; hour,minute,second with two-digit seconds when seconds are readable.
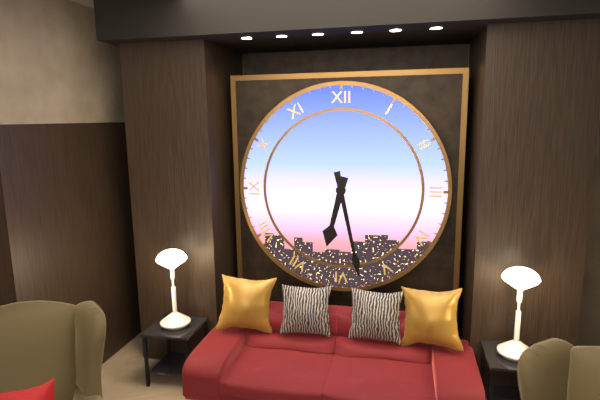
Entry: 6,28
